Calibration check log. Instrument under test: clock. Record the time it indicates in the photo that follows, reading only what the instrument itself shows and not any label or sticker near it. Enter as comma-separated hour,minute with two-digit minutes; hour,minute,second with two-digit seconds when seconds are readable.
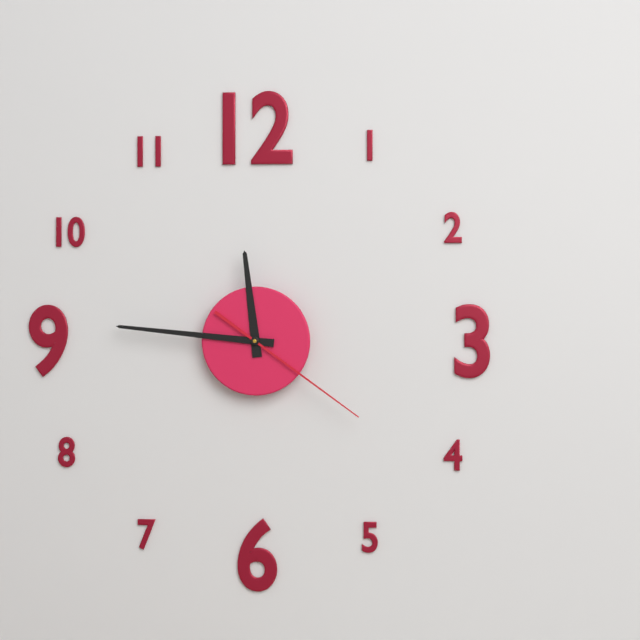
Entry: 11,46,21
